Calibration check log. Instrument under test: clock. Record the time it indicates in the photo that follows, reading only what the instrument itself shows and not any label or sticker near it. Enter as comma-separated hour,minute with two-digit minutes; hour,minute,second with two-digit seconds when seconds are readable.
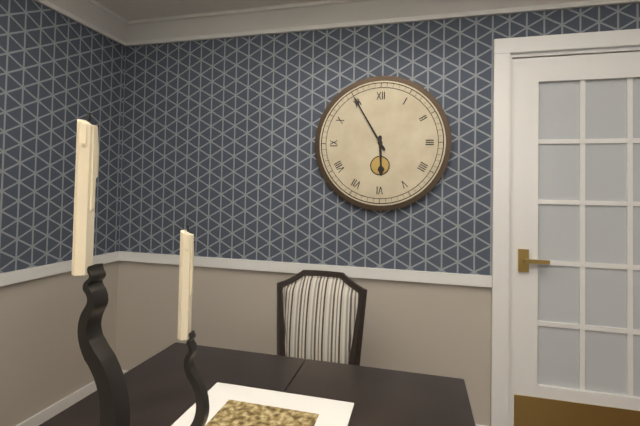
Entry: 5,55
